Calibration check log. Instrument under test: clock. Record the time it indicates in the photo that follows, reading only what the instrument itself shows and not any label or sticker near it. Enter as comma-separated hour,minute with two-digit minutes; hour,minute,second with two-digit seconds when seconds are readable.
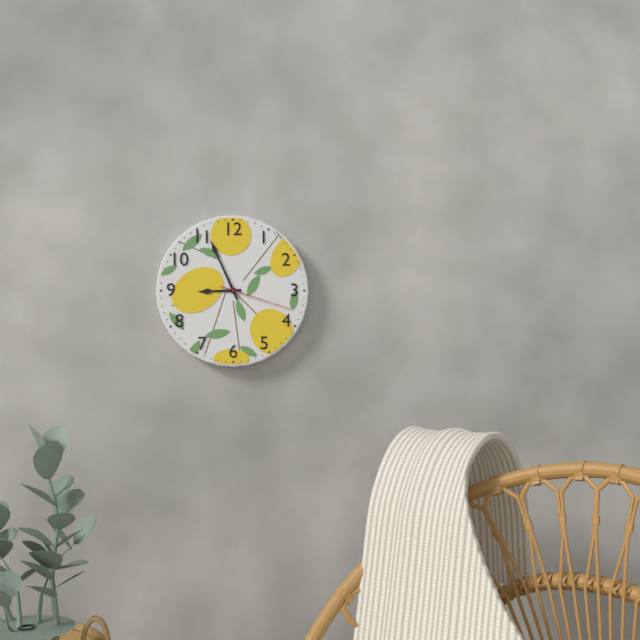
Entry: 8,56,18
